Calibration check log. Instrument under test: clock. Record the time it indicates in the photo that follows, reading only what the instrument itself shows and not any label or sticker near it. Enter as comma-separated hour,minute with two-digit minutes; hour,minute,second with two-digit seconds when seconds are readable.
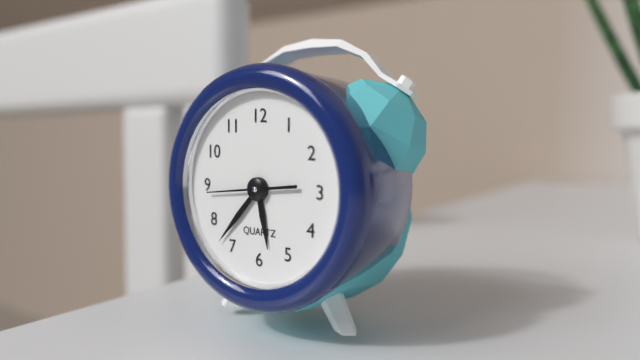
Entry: 5,37,44
